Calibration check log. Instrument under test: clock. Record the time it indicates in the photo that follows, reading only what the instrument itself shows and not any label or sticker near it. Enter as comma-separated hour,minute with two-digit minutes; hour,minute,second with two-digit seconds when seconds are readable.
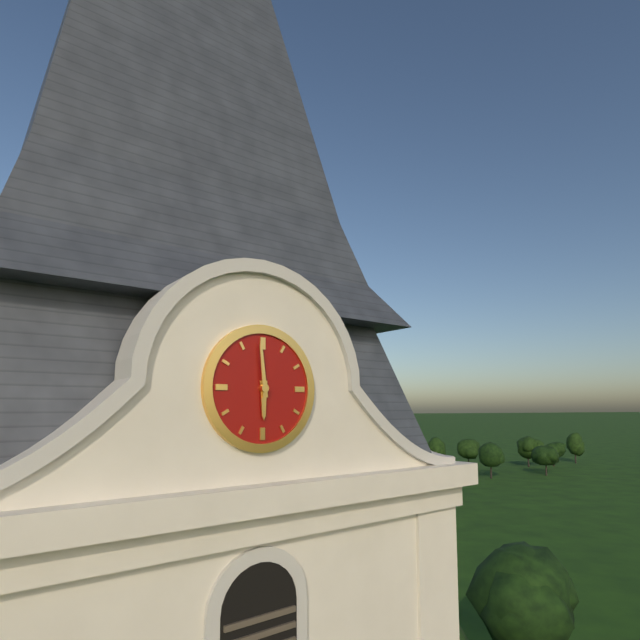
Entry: 5,59
